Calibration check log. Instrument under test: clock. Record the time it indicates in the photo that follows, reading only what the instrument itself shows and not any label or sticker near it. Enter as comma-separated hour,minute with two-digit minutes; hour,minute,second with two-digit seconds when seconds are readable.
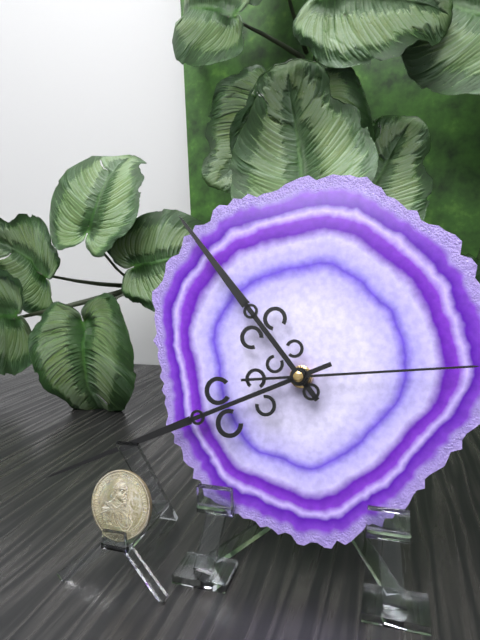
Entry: 10,41
